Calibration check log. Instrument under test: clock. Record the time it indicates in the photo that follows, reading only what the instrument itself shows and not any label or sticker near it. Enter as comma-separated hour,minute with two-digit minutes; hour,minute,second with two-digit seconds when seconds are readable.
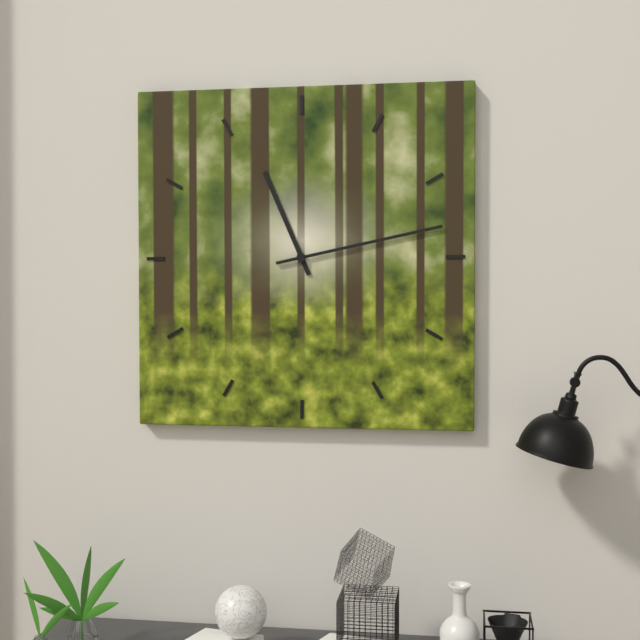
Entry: 11,13
